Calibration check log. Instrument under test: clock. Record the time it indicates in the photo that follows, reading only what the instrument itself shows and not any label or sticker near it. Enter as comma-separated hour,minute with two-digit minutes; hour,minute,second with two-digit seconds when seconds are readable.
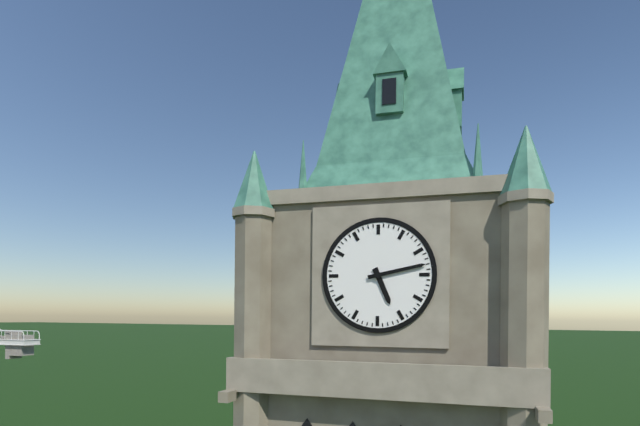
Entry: 5,13
